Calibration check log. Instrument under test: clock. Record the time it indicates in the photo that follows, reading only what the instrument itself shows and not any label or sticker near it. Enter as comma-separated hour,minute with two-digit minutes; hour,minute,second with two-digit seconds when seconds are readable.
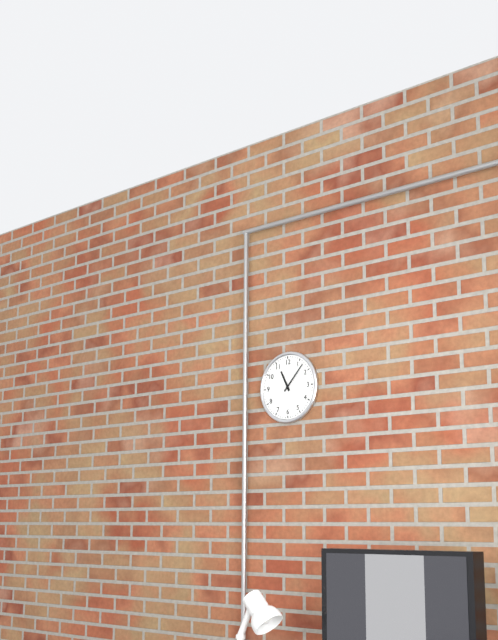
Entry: 11,07
